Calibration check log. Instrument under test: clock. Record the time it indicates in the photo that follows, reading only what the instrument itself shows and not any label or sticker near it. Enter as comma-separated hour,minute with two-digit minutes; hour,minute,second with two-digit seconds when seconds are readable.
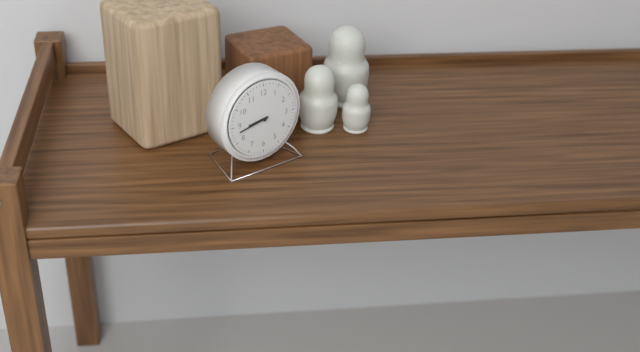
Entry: 8,43
